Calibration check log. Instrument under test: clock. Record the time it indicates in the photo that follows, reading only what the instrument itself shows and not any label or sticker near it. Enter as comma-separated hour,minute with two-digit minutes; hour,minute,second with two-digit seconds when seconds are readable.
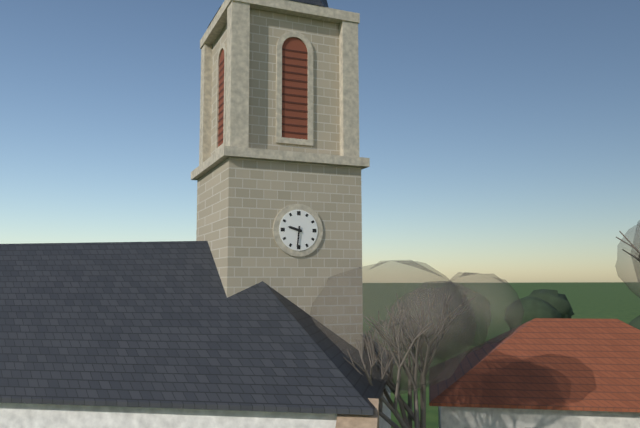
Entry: 9,31
